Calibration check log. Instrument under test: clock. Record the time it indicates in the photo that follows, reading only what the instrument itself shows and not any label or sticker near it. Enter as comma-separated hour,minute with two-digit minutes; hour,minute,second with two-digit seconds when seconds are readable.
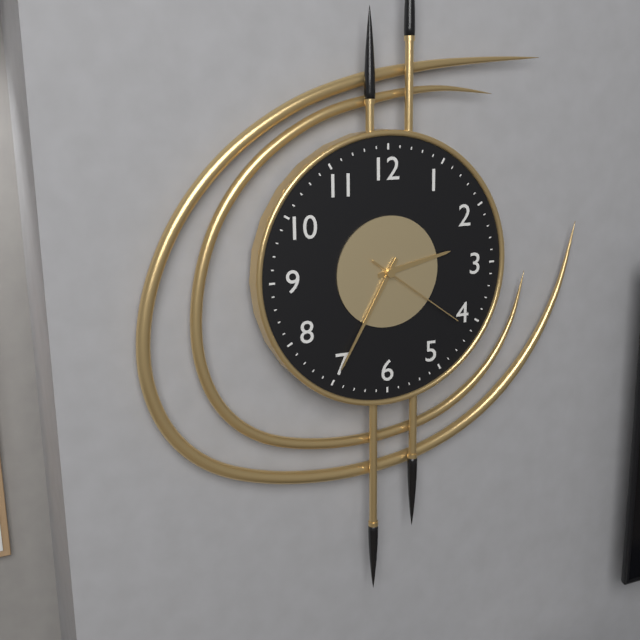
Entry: 2,35,21
